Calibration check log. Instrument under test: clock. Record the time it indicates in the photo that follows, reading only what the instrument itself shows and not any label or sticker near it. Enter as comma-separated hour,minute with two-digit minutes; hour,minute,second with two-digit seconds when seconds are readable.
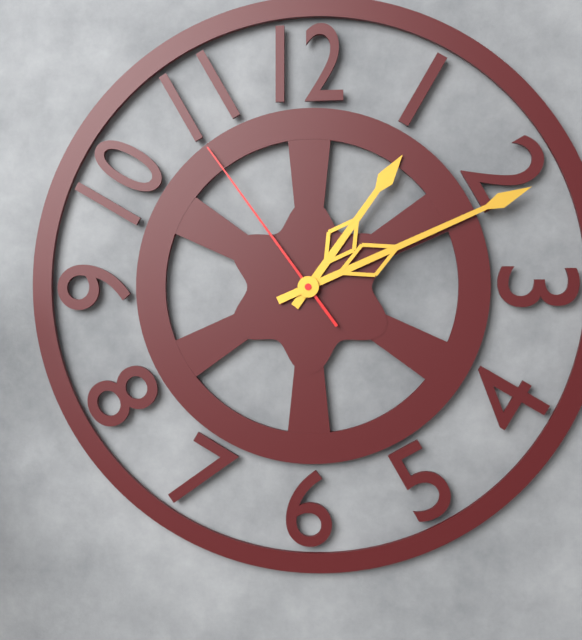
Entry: 1,11,54
